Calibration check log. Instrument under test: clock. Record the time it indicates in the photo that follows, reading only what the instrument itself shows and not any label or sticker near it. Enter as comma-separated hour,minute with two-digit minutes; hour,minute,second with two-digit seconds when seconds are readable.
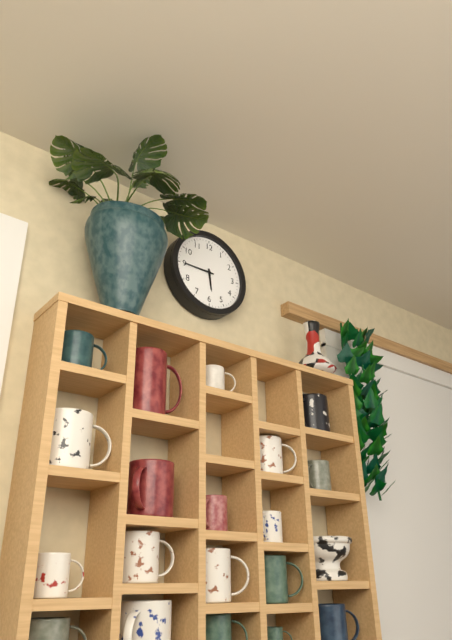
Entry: 5,45
